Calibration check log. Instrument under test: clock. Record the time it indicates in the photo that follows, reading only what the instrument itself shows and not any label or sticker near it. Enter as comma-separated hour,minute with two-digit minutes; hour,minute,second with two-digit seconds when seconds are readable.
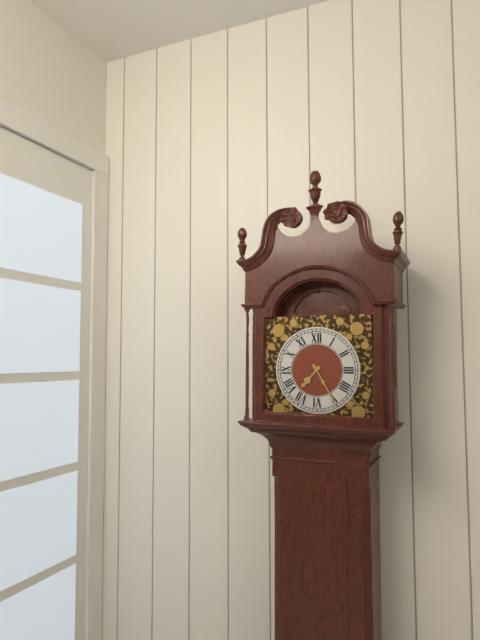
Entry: 7,25
